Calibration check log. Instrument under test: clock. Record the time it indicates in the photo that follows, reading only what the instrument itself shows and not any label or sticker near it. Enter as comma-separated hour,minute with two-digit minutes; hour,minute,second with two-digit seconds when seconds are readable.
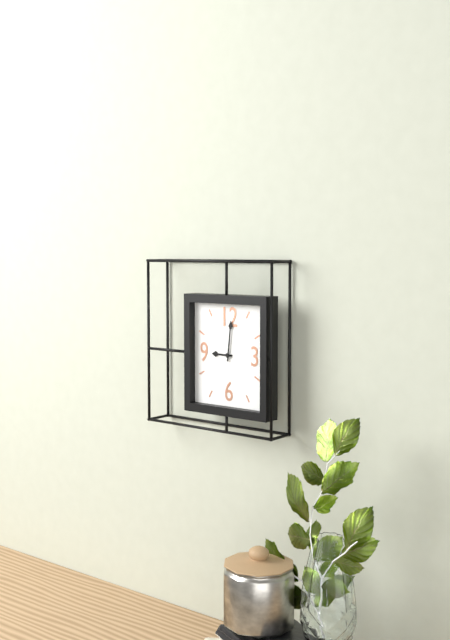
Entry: 9,01
